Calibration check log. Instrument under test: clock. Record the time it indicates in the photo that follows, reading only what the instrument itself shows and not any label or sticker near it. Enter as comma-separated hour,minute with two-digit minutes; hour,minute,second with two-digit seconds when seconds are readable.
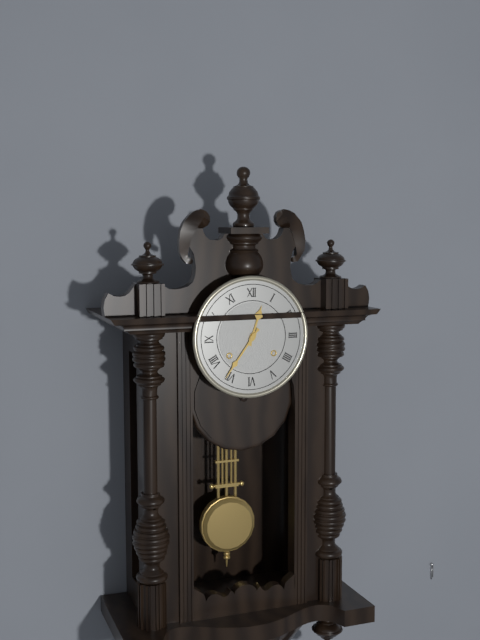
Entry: 12,36
